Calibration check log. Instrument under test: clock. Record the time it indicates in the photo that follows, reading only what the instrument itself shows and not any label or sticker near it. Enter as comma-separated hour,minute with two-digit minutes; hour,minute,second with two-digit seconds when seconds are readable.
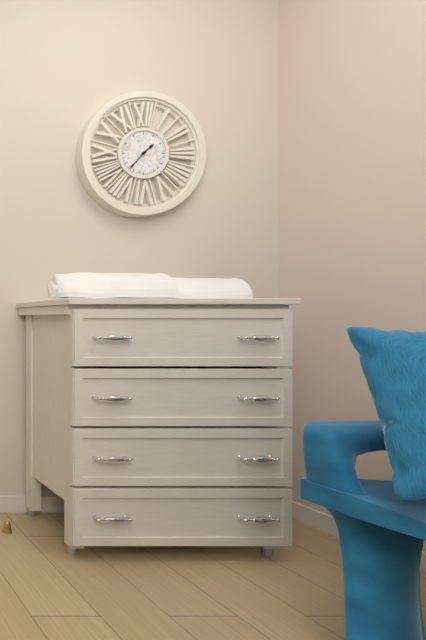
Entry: 1,37
